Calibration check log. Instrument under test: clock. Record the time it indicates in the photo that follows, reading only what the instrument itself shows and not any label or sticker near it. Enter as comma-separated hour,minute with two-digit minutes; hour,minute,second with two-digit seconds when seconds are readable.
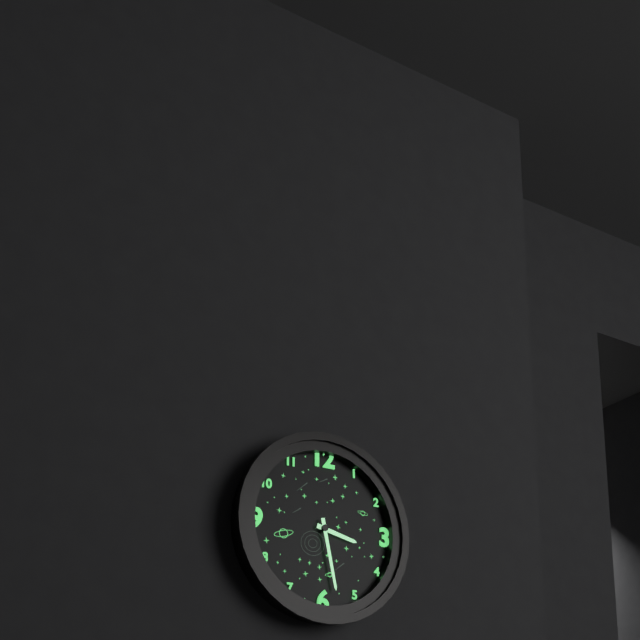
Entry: 3,28
